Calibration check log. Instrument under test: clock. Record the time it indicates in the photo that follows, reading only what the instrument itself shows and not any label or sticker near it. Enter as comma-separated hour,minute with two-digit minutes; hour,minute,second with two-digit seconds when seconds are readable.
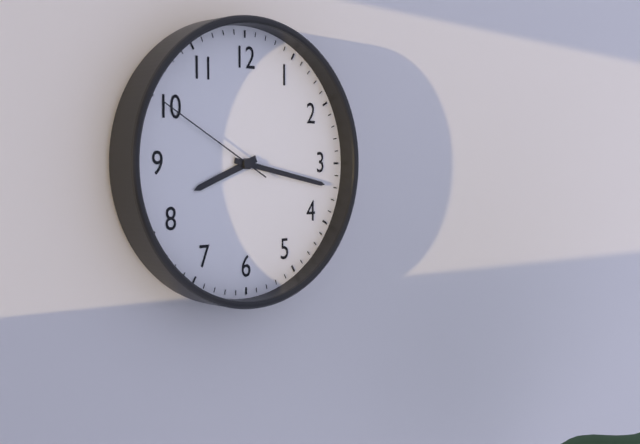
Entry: 8,17,50
